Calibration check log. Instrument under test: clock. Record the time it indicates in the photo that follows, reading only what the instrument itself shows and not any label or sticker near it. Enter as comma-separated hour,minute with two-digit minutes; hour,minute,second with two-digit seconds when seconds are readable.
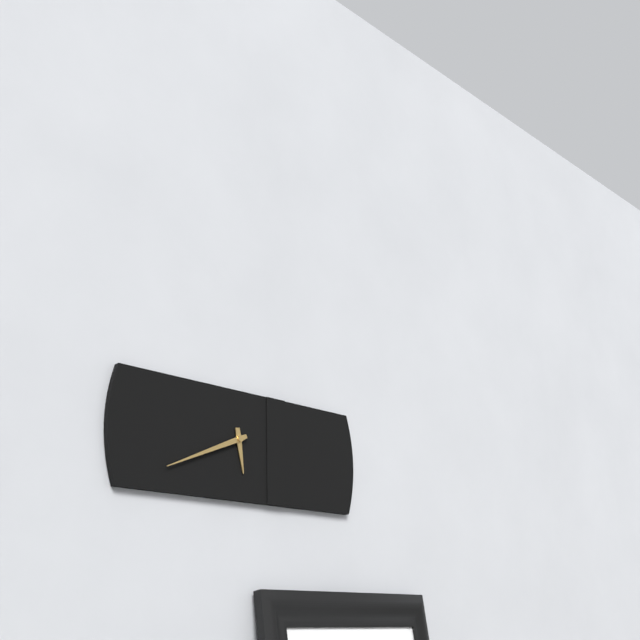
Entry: 5,41
